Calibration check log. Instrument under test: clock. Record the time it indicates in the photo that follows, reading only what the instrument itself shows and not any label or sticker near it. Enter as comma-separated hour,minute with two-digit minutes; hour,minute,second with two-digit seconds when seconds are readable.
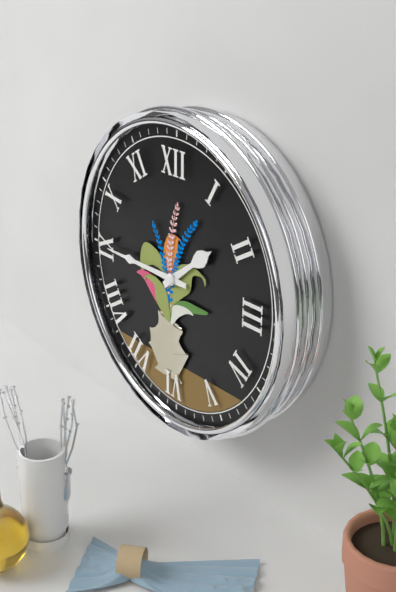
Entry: 1,45
